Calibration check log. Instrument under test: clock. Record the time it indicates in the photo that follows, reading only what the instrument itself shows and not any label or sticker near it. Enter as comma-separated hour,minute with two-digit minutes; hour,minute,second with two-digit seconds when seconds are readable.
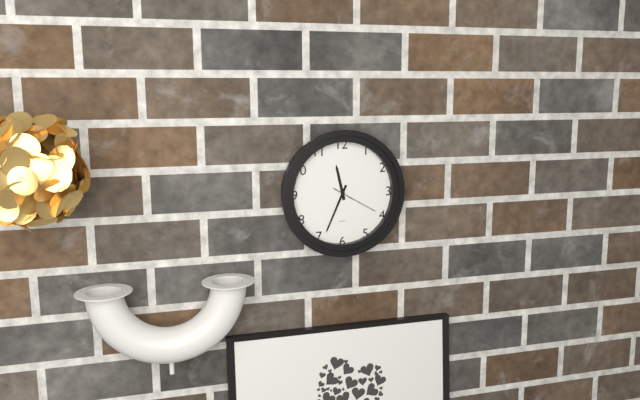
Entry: 11,34
